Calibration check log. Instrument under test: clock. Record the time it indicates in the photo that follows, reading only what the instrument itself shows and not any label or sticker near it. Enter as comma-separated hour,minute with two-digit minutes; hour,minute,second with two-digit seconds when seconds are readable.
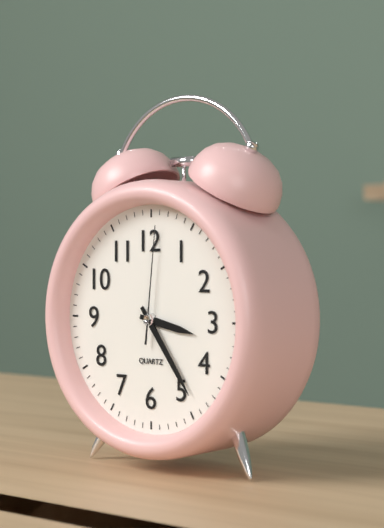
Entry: 3,24,01
